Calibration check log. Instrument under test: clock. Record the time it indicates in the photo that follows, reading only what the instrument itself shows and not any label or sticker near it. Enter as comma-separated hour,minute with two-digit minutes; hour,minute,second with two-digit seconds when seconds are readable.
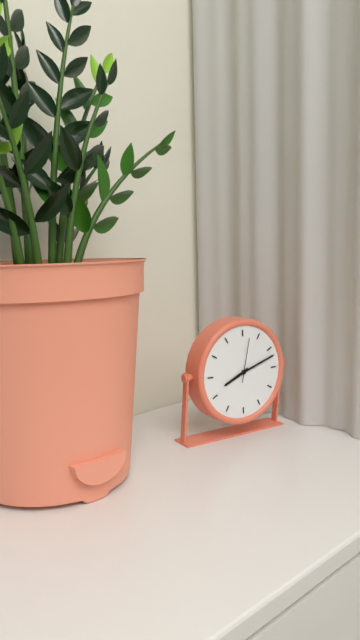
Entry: 8,12
